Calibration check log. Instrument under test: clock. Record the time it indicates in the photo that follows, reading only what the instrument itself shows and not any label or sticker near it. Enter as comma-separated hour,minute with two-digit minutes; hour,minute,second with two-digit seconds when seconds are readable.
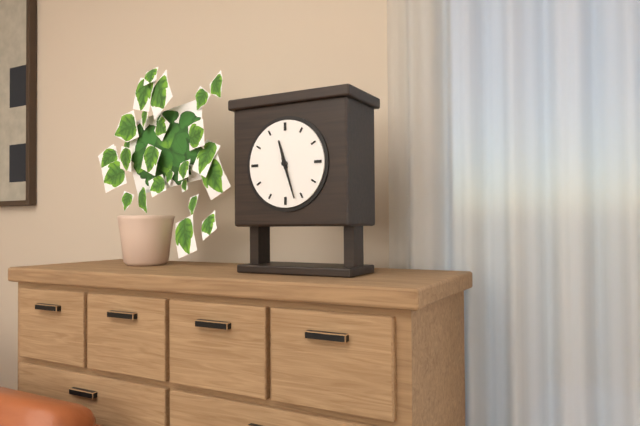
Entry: 11,27
